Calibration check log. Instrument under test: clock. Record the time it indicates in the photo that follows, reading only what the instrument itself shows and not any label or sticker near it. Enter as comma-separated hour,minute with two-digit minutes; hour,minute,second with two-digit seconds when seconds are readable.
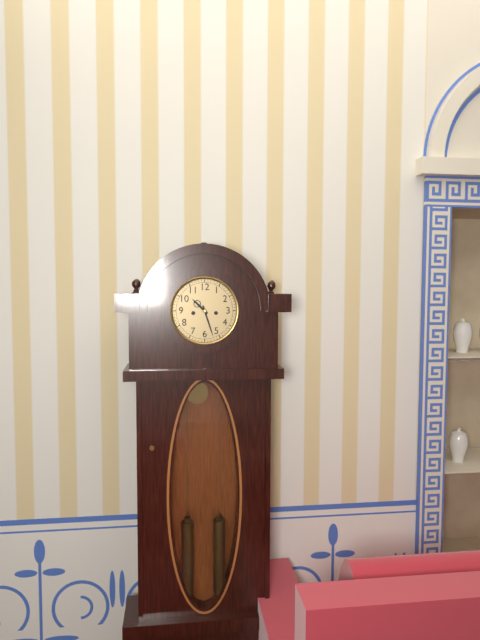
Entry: 10,27
